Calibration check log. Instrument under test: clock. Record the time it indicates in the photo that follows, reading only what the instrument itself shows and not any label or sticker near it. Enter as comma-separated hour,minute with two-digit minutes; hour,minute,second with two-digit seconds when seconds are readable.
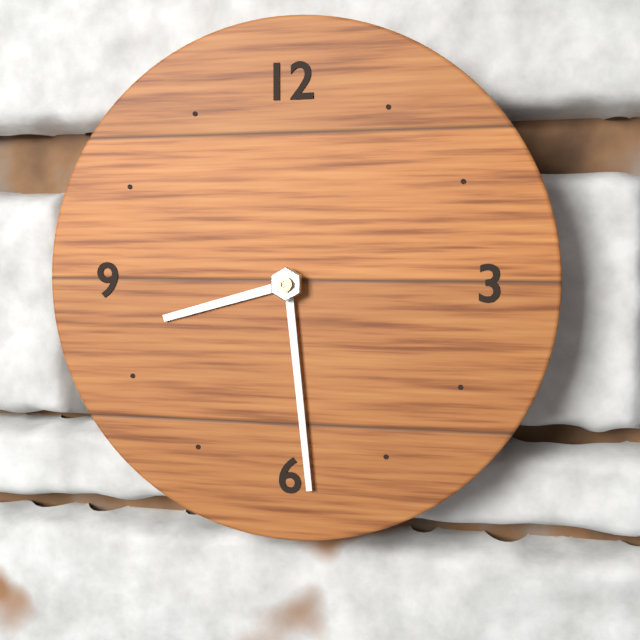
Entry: 8,29
